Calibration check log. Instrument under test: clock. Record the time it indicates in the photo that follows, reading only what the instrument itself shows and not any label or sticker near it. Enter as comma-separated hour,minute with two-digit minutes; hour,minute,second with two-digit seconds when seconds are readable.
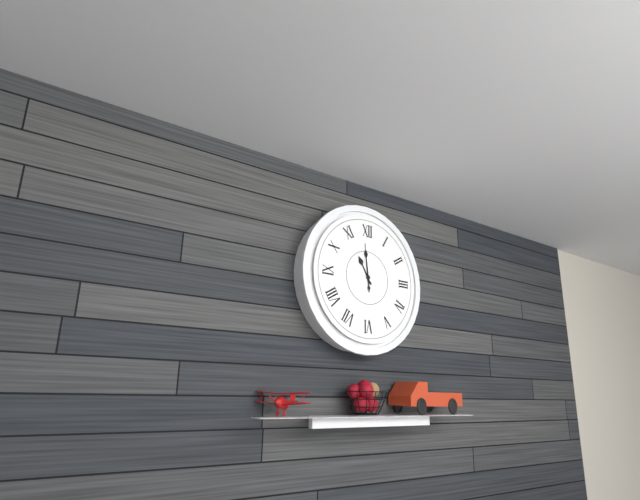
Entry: 10,59
